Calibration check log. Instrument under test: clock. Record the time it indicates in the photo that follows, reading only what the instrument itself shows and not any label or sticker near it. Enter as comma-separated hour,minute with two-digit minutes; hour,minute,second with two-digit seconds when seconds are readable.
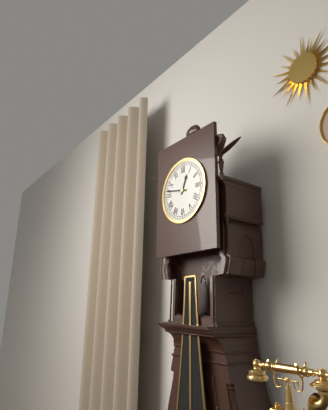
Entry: 12,47
